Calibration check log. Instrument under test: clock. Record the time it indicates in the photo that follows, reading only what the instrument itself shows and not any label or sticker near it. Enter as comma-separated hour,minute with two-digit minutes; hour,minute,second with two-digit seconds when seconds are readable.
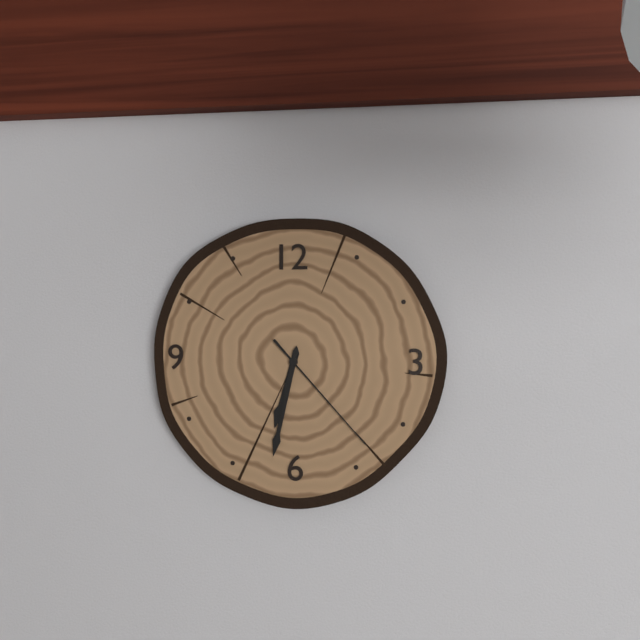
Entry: 6,32,23
